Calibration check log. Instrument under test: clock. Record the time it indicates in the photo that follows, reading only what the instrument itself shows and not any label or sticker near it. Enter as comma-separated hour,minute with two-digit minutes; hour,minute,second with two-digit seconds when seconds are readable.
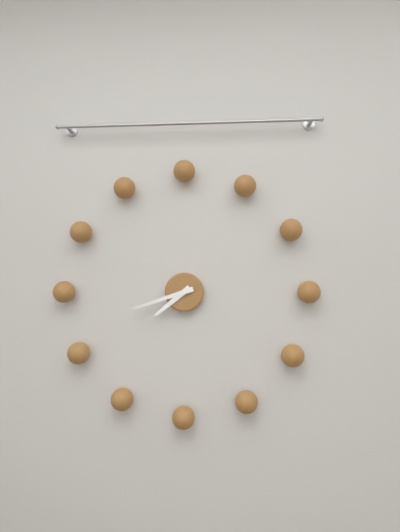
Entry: 7,42
